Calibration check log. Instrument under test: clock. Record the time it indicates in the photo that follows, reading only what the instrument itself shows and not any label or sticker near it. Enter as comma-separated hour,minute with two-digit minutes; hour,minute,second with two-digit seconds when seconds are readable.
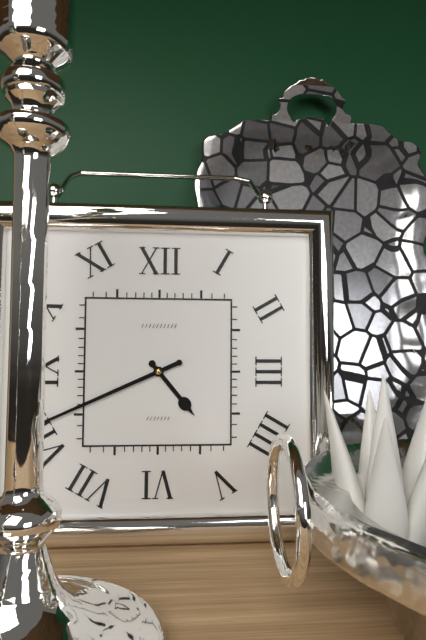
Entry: 4,41
